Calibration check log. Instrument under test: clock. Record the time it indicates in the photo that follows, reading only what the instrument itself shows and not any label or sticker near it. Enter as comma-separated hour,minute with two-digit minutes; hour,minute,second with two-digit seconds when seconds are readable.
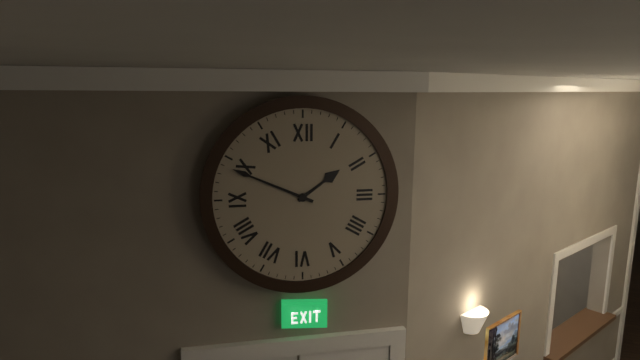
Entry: 1,49
